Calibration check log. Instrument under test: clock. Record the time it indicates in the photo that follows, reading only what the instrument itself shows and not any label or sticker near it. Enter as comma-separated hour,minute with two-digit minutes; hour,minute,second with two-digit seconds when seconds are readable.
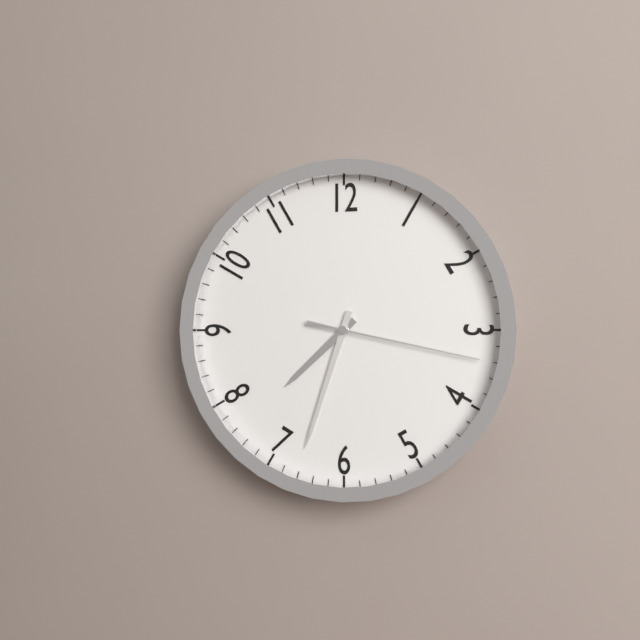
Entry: 7,33,17
